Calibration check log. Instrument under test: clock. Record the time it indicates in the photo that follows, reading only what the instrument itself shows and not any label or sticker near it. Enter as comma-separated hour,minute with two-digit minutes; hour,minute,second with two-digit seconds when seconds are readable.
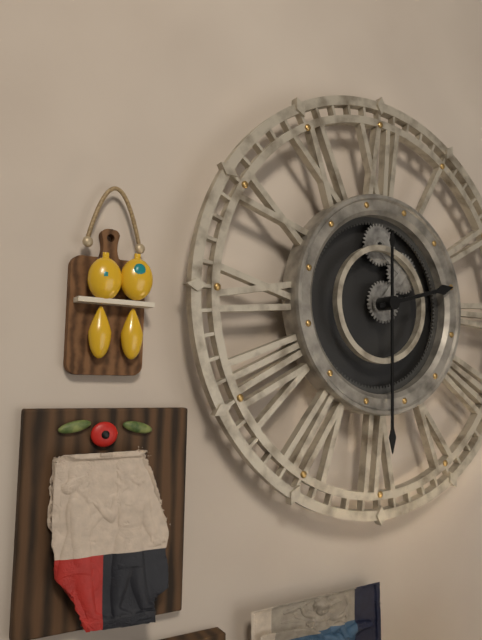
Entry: 2,30
